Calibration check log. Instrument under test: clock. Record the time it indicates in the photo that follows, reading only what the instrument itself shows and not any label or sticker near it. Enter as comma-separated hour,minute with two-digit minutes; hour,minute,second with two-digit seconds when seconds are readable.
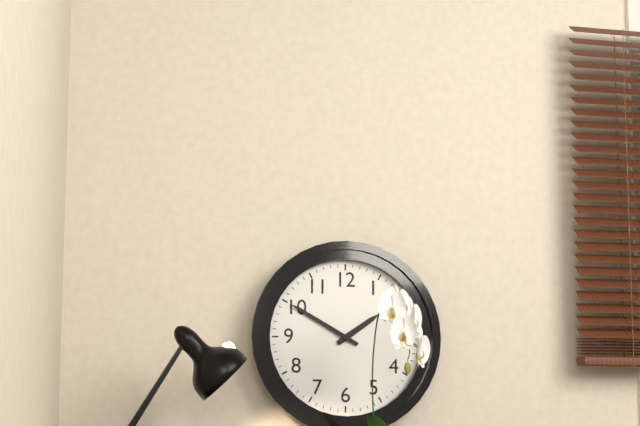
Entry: 1,50
